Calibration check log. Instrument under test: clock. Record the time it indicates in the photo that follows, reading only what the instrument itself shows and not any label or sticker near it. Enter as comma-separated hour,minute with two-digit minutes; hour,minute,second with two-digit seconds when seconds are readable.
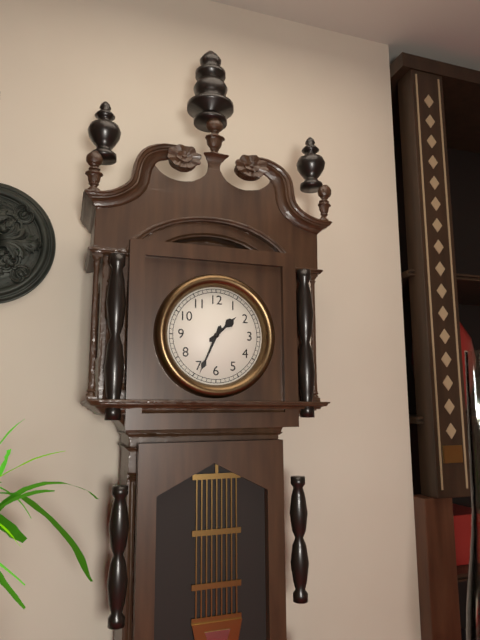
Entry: 1,34
